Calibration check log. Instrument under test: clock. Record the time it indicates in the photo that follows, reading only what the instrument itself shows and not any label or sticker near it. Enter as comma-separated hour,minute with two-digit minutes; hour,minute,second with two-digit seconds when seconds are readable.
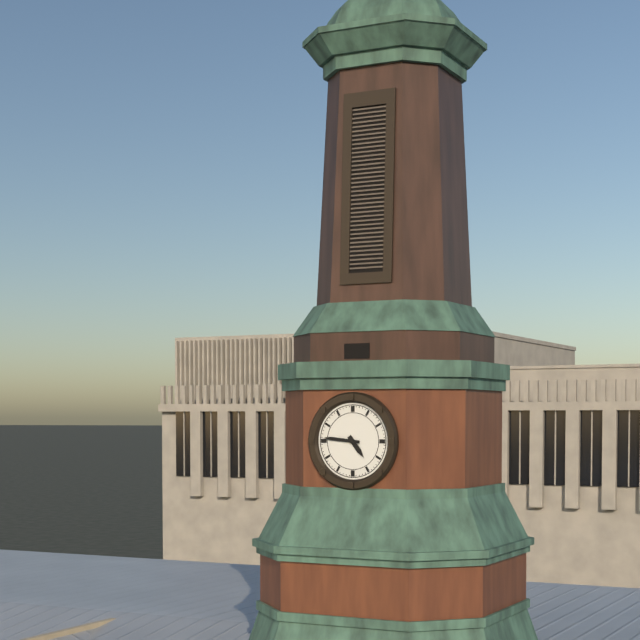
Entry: 4,46
